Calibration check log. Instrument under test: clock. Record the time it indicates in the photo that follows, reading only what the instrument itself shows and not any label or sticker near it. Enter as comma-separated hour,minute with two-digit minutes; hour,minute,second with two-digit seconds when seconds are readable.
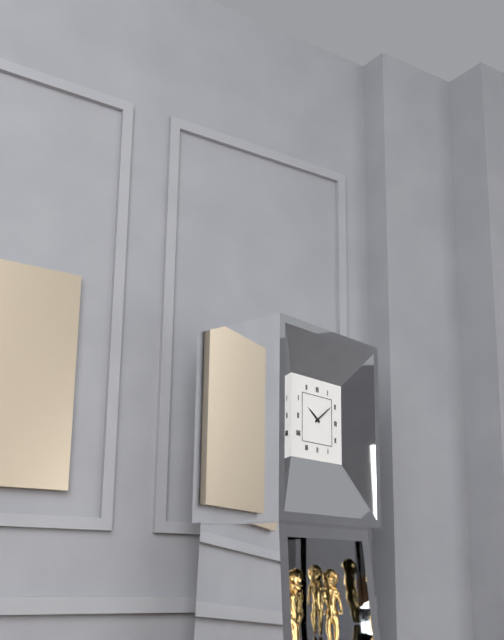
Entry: 10,09
